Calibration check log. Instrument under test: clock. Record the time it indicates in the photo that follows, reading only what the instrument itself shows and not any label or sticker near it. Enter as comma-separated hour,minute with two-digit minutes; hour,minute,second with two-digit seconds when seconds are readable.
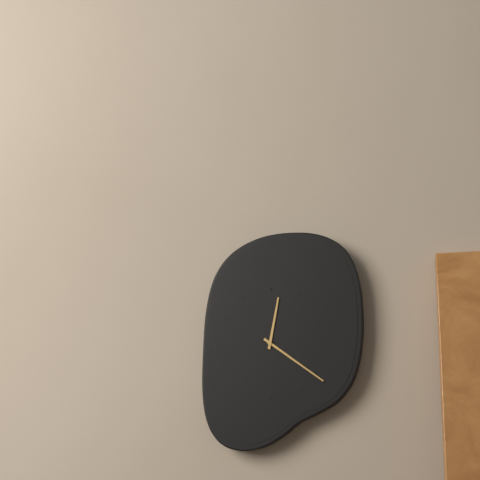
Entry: 12,21
